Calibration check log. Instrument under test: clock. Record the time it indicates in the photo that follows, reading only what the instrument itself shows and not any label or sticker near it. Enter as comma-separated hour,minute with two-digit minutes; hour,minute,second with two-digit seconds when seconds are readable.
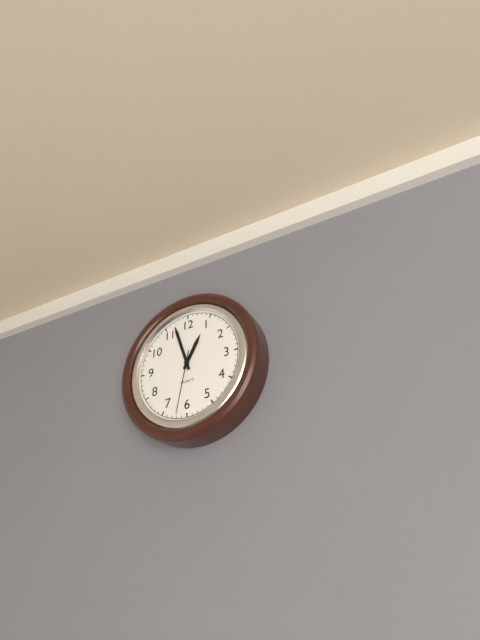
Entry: 12,57,32
